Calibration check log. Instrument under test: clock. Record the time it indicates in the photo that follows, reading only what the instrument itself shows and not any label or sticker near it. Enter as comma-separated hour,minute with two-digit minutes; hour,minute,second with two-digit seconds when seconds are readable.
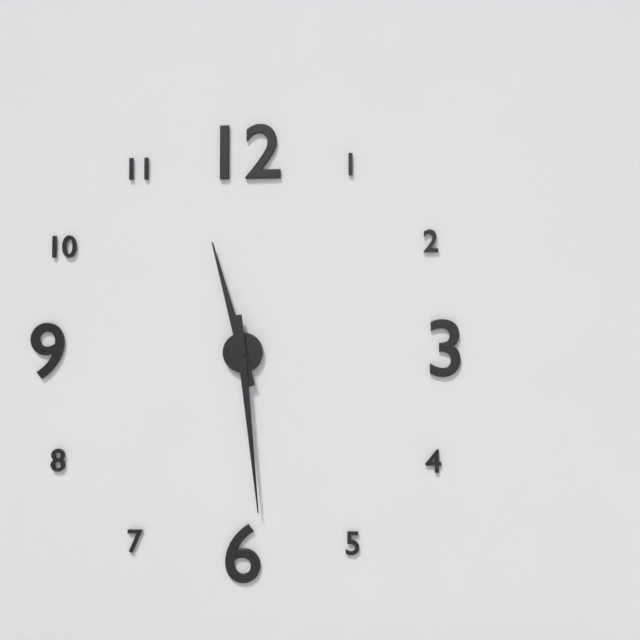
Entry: 11,29
